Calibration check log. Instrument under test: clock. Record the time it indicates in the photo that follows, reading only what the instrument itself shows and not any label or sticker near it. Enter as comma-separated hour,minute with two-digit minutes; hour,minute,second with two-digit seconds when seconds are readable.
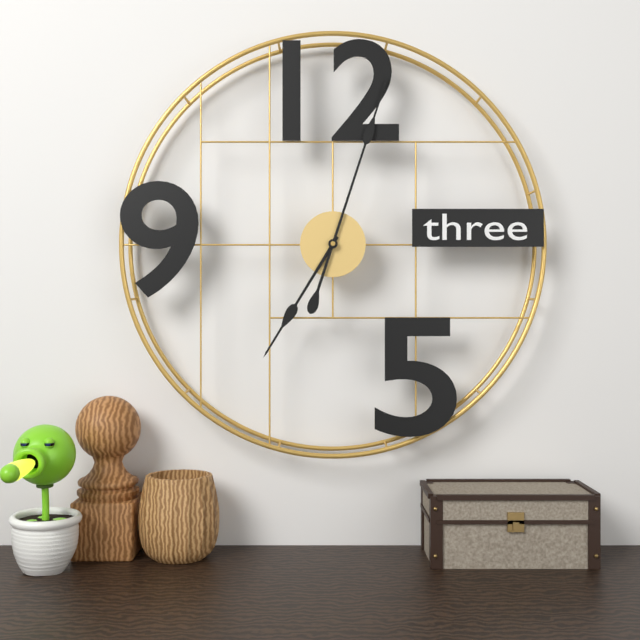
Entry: 7,03
